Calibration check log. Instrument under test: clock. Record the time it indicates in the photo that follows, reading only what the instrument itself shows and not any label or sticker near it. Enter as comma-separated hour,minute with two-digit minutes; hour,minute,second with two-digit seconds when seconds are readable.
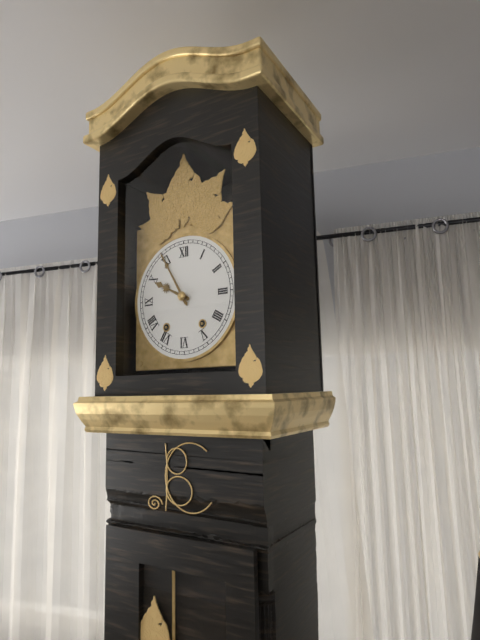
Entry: 9,55
